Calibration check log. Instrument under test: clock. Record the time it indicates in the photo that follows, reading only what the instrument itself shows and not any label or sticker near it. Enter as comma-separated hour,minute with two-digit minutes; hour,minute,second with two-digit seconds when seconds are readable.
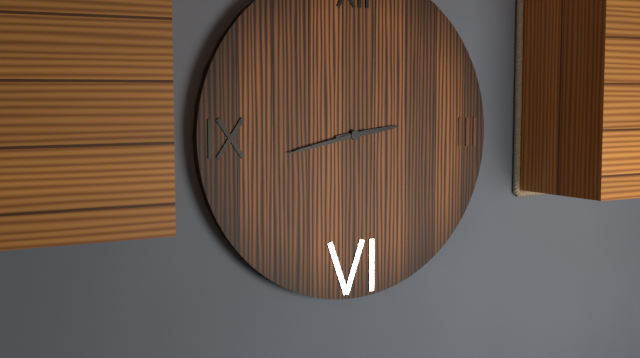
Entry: 2,43
